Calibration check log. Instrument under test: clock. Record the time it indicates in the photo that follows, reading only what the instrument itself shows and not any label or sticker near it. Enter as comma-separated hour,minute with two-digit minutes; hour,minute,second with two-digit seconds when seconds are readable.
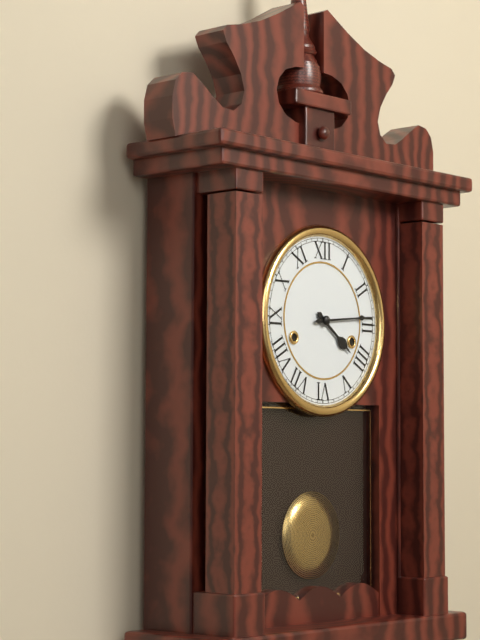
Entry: 4,14
